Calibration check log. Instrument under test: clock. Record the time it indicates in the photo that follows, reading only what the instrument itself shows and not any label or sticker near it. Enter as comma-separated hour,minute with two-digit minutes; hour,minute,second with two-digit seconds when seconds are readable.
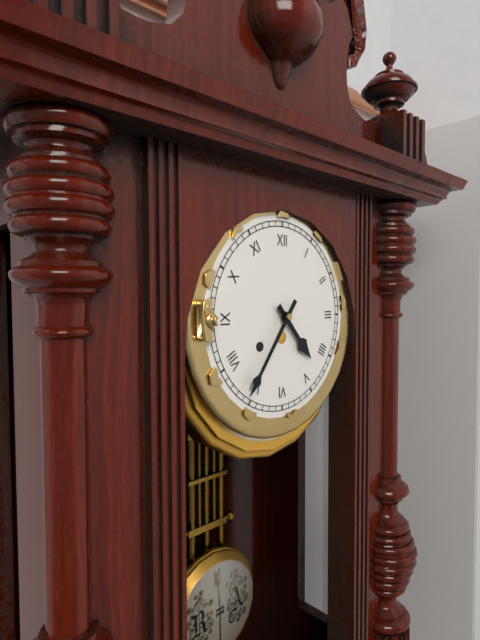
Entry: 4,36
